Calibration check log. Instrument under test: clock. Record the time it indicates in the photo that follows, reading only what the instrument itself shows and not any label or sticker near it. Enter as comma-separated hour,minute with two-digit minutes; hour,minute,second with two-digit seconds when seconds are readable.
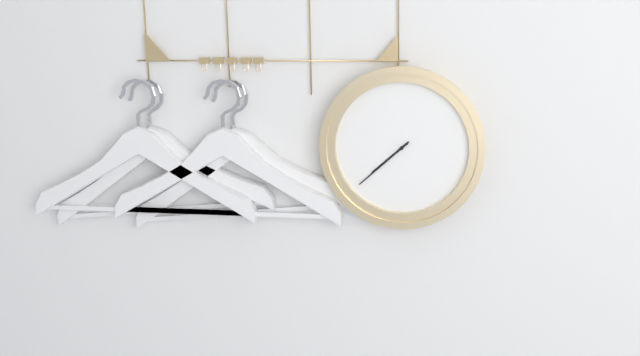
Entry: 7,38
